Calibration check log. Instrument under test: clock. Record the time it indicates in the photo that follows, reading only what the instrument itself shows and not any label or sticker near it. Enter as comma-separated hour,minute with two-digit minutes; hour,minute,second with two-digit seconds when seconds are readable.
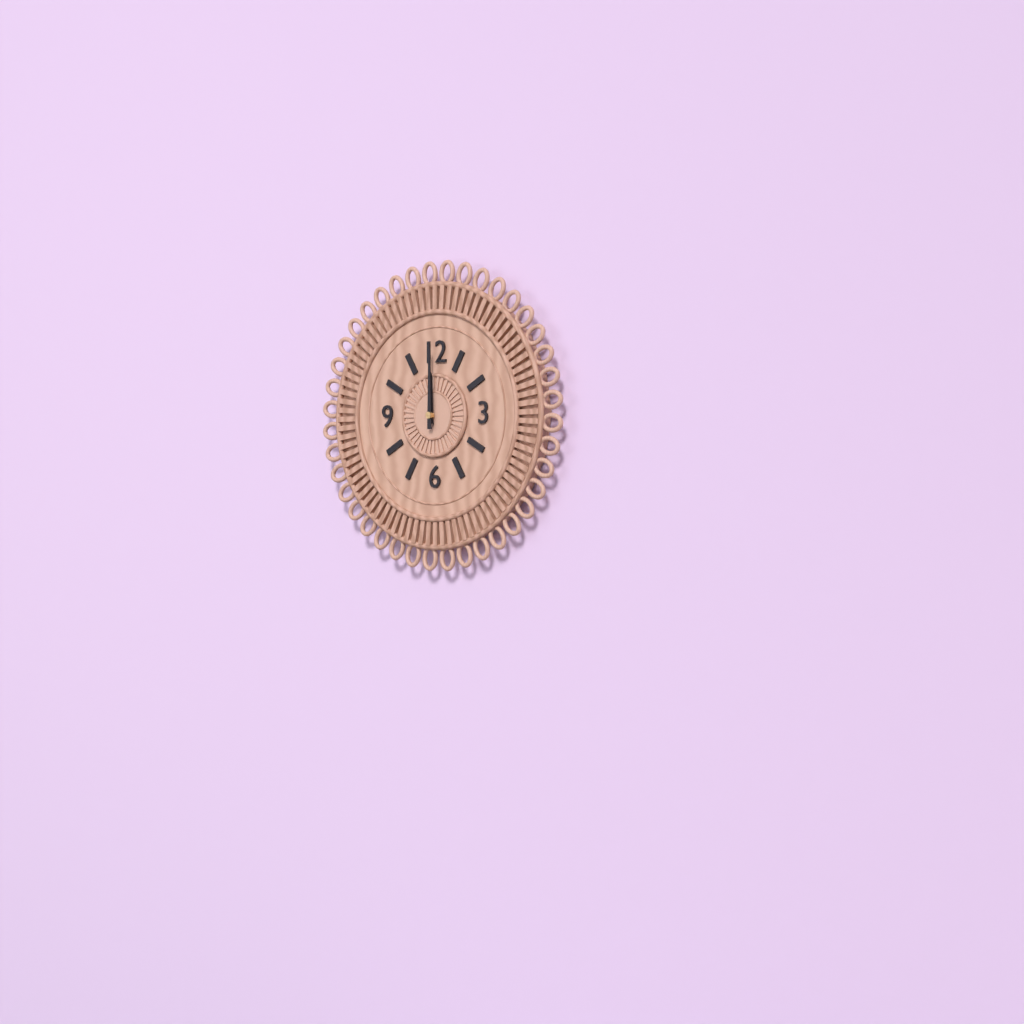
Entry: 12,00
